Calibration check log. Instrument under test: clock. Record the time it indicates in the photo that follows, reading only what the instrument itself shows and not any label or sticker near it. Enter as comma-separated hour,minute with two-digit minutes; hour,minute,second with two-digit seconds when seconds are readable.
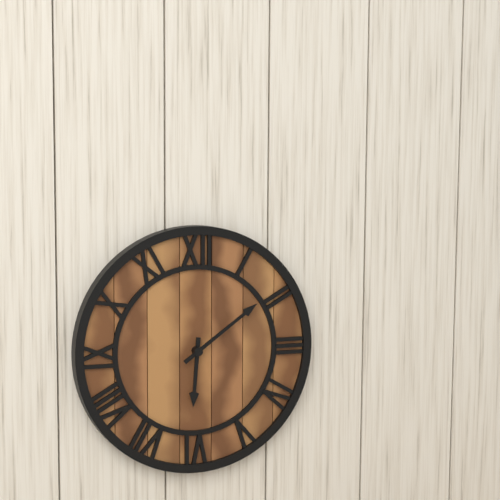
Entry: 6,09
